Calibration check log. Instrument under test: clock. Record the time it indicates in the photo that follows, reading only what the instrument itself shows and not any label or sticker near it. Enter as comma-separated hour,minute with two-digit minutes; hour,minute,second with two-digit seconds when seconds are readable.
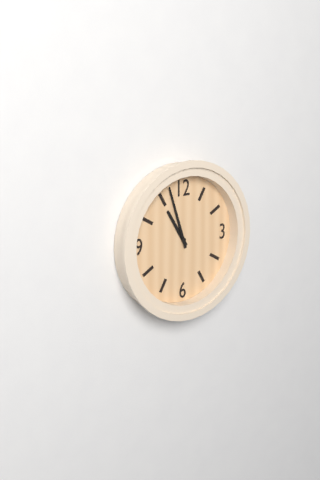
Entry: 10,57
